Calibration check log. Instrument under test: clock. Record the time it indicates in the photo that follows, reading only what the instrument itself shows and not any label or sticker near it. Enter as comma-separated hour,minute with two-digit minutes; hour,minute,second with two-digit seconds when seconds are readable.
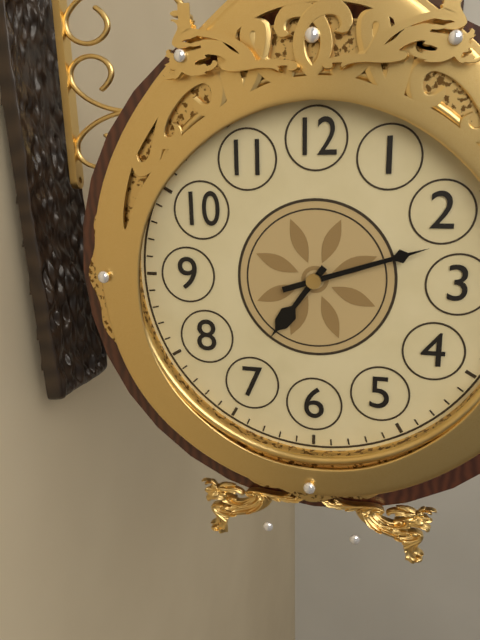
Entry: 7,12
